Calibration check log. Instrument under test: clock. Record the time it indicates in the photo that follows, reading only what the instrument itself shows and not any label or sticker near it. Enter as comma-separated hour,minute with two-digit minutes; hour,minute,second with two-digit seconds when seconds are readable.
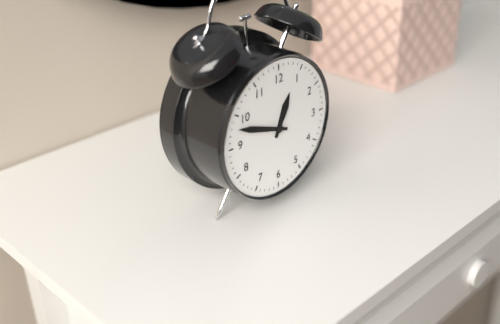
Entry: 12,48
